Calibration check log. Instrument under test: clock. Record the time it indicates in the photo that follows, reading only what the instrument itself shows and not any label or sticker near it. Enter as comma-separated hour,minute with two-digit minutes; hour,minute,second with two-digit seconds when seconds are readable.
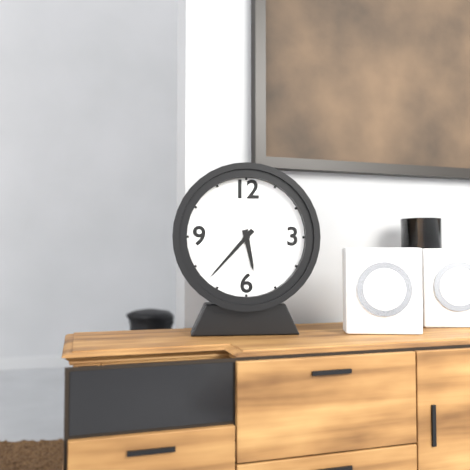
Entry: 5,37
